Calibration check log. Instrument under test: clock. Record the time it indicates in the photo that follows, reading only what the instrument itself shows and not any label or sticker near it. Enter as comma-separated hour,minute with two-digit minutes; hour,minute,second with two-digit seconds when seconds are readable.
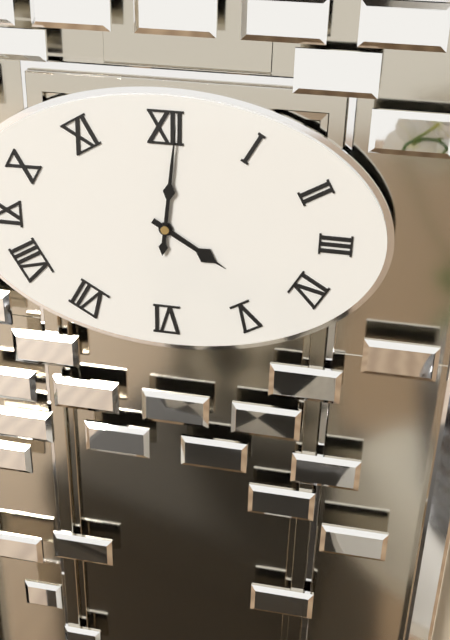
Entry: 4,01
